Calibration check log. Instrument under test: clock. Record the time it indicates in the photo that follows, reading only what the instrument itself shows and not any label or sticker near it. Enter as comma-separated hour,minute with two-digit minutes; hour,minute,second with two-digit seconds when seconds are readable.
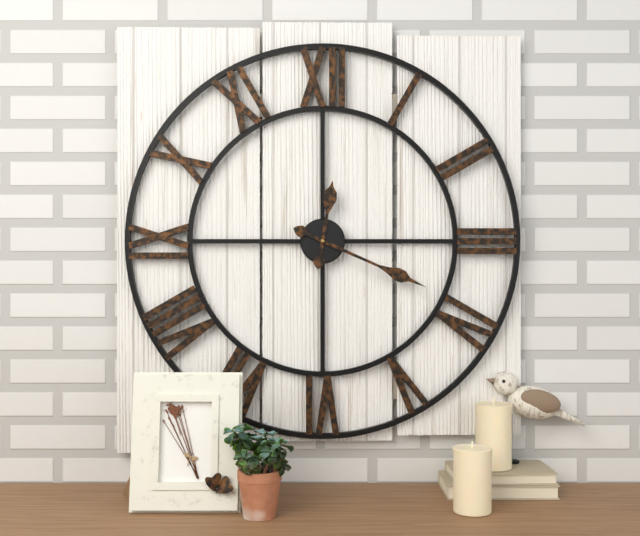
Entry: 12,19
